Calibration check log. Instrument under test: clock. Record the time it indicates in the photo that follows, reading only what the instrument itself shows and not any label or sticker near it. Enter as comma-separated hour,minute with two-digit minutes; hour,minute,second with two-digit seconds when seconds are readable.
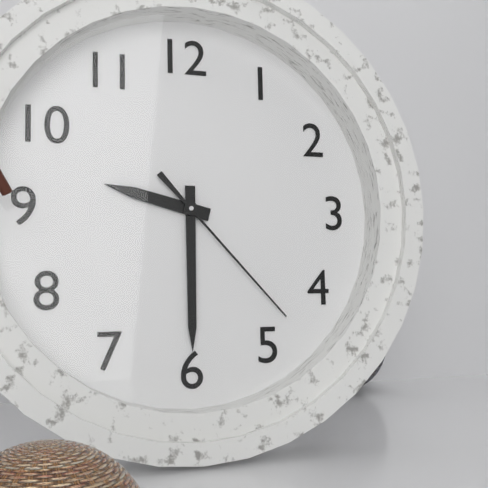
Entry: 9,30,23
